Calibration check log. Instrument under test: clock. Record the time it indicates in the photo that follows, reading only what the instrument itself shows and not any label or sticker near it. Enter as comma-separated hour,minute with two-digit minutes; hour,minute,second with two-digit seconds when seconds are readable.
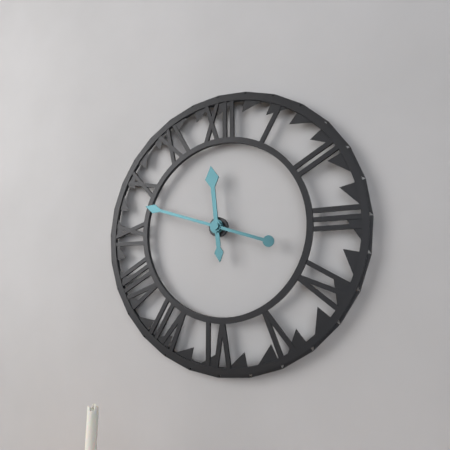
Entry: 11,48
